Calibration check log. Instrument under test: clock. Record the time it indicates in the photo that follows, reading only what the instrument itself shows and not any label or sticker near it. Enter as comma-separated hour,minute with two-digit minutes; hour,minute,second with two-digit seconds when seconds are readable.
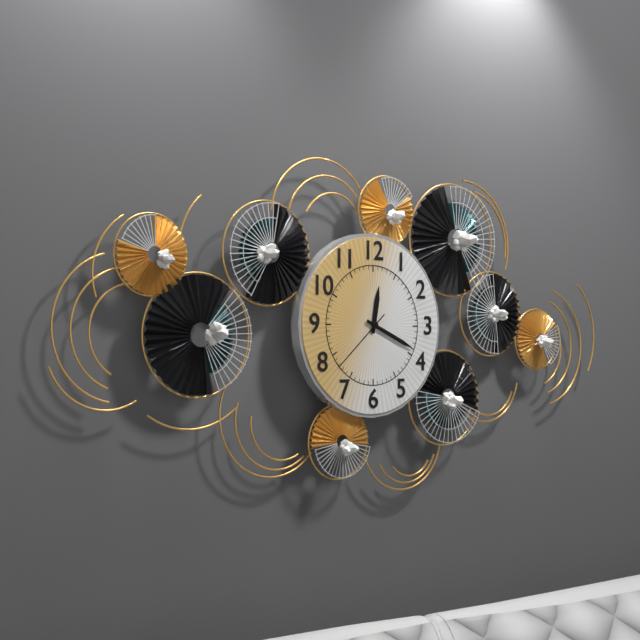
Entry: 12,19,38
